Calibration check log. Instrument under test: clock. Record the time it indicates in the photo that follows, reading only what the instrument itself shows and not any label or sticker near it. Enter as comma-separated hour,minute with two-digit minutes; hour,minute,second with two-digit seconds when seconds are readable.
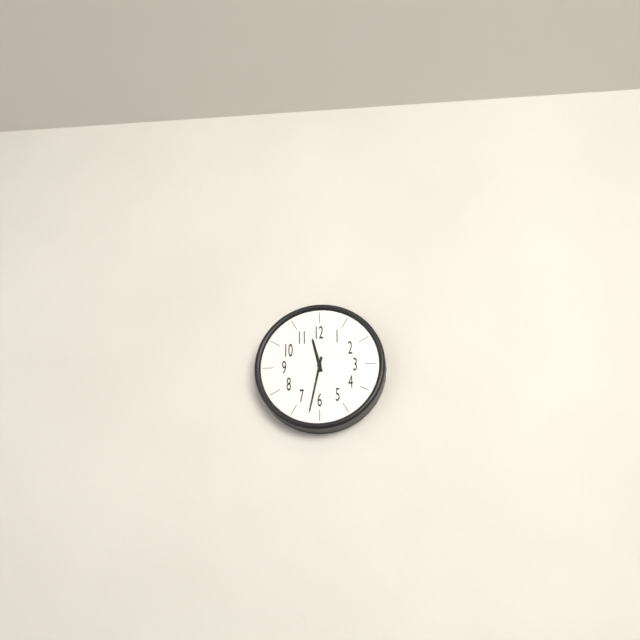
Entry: 11,32
